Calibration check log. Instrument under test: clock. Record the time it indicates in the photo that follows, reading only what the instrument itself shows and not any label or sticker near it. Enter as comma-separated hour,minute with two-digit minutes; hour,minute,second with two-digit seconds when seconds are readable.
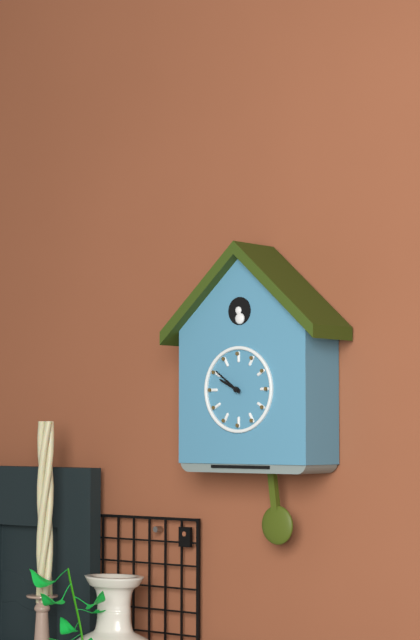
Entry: 9,51
